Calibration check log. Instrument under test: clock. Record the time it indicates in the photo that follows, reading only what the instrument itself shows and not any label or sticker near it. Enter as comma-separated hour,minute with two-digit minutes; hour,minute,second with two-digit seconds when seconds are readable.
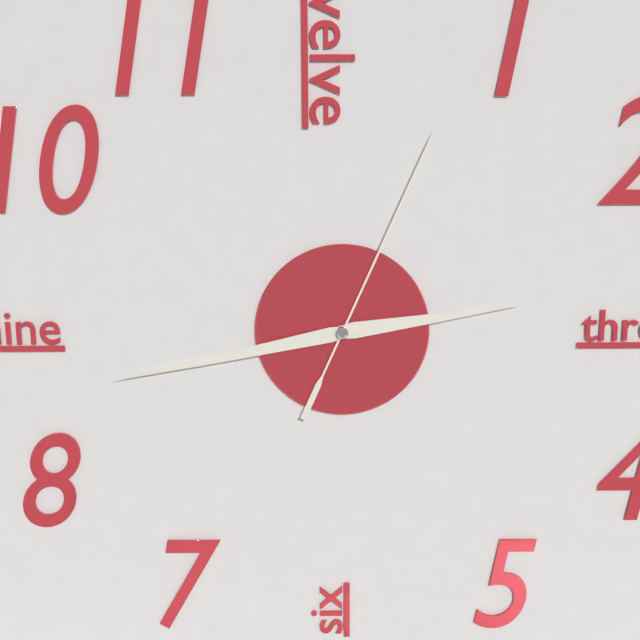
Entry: 2,43,04
